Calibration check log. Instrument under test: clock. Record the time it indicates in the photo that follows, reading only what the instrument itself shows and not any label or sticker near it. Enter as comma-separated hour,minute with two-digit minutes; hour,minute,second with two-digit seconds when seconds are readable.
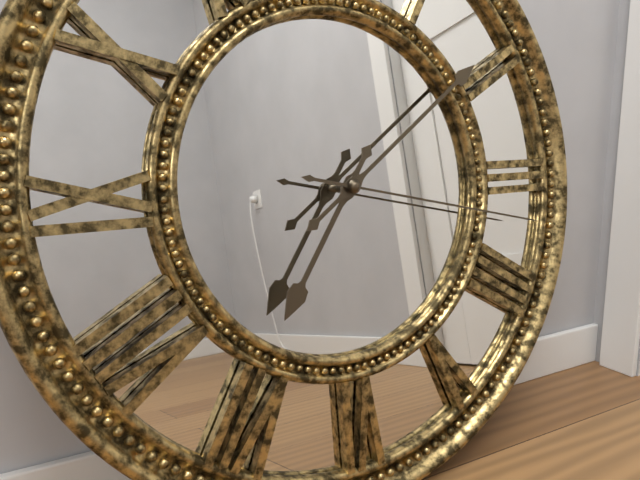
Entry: 7,09,17
